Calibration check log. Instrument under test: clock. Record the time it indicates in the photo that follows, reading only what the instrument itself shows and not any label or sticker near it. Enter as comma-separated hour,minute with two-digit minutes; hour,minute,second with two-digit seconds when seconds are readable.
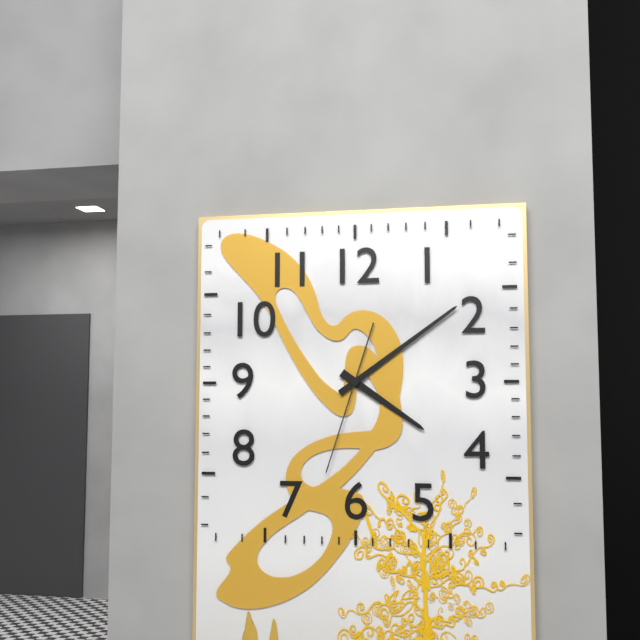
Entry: 4,09,33
